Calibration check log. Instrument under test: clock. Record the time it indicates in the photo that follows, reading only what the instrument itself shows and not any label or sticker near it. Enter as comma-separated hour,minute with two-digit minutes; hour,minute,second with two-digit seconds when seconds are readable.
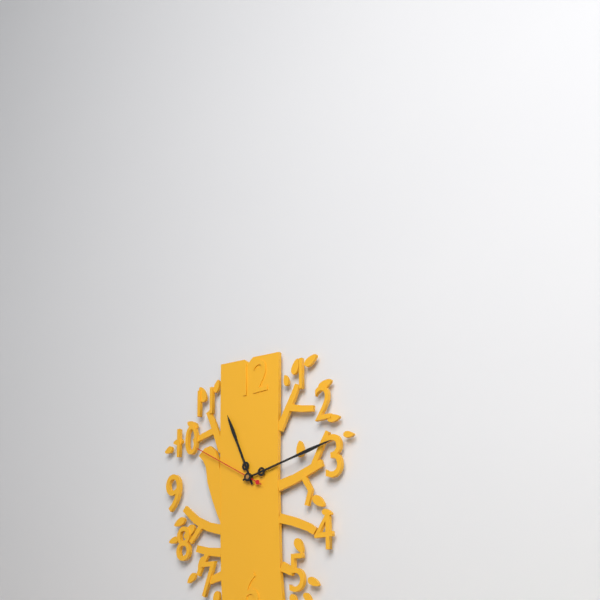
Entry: 11,13,50
